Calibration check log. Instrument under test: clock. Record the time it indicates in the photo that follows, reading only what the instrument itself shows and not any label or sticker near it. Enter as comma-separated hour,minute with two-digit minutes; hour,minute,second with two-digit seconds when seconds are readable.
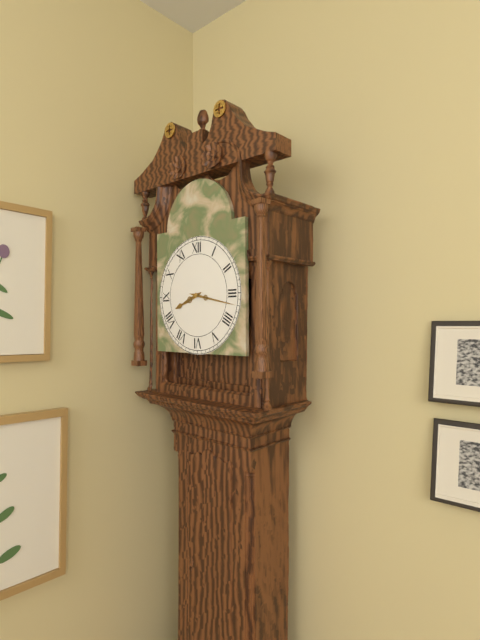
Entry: 8,17
